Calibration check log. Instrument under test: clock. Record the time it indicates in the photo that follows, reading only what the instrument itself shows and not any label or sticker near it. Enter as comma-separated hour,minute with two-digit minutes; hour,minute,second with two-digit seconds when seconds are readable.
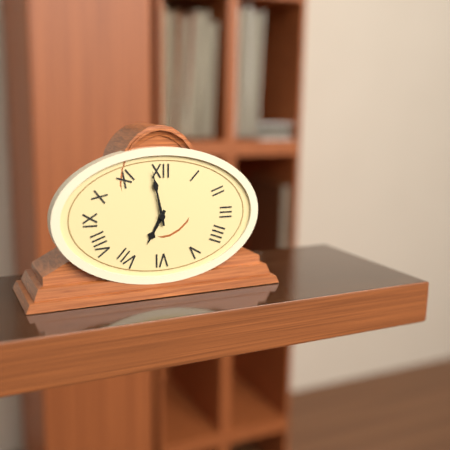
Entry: 6,58
